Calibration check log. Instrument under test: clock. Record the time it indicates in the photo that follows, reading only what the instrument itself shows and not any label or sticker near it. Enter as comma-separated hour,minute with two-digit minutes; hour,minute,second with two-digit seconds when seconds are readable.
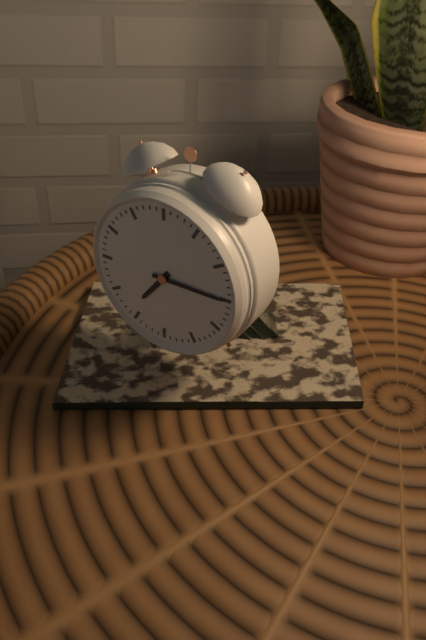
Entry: 7,15
